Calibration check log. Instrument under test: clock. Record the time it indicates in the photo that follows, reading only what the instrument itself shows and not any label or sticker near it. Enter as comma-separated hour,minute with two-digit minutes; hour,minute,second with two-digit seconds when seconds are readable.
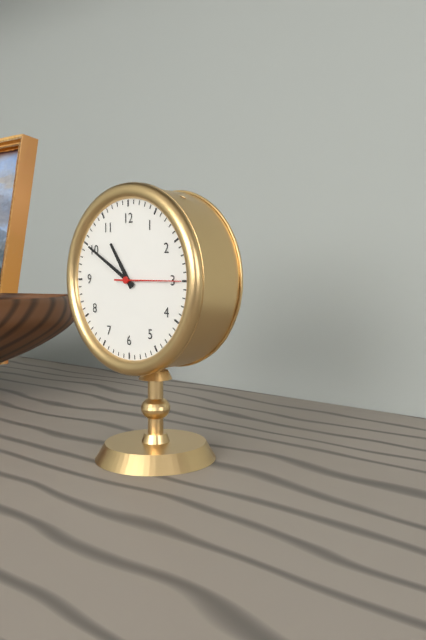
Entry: 10,50,15
